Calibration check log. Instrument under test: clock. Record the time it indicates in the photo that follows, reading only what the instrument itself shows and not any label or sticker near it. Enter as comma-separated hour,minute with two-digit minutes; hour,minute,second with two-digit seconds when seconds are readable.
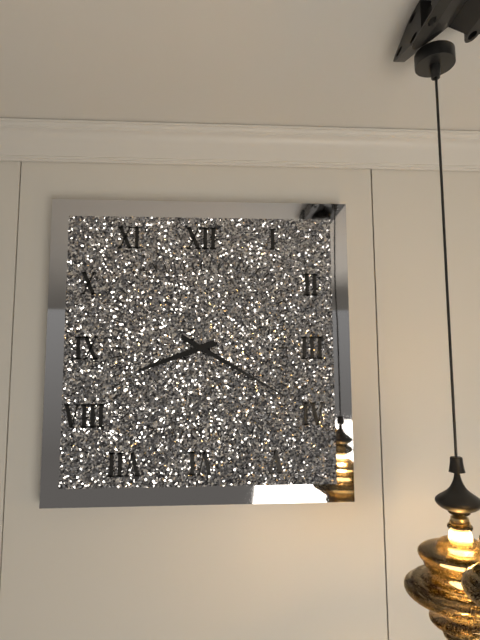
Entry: 8,20
